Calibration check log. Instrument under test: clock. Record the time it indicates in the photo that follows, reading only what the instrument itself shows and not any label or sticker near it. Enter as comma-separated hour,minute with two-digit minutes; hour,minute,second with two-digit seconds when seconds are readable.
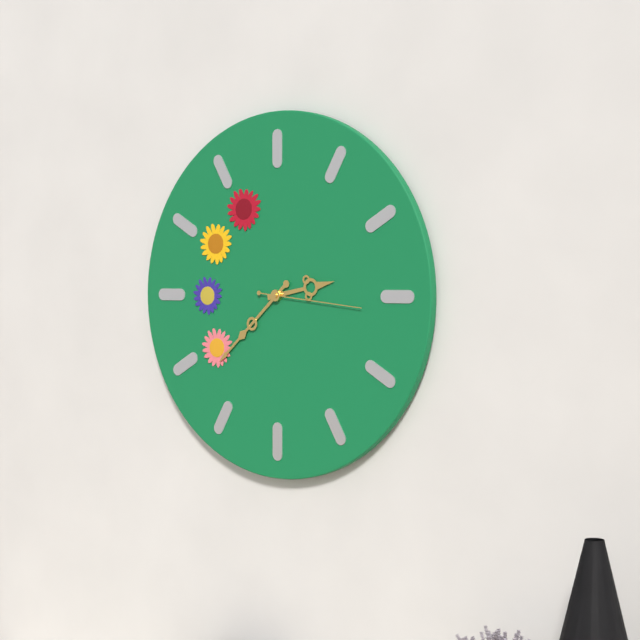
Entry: 2,38,16
